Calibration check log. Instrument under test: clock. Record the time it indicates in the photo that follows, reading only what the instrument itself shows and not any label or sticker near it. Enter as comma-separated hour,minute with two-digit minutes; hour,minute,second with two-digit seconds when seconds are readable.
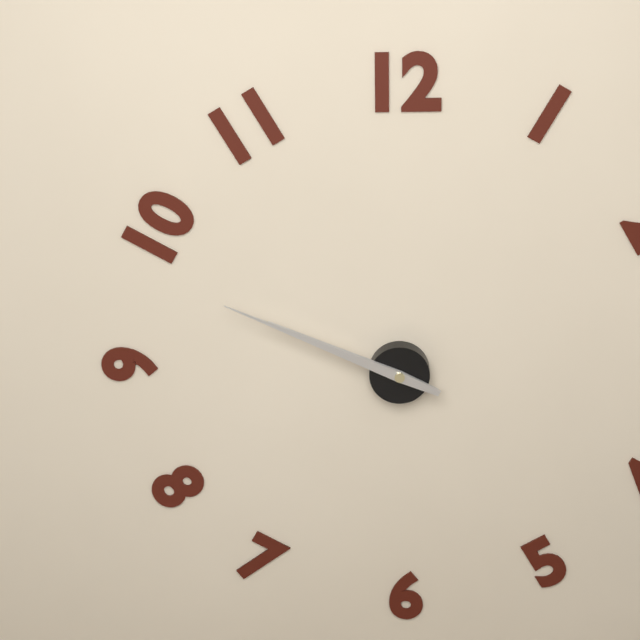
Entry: 9,49
